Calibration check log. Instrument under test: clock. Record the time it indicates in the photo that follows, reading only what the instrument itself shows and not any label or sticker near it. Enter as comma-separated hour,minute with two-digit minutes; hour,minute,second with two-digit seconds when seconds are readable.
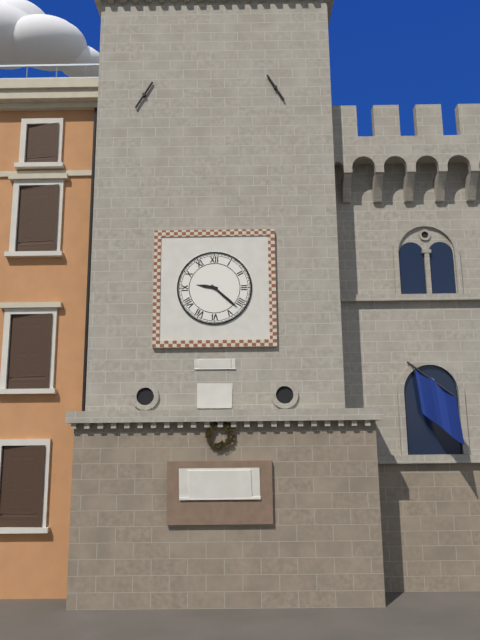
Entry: 9,22
